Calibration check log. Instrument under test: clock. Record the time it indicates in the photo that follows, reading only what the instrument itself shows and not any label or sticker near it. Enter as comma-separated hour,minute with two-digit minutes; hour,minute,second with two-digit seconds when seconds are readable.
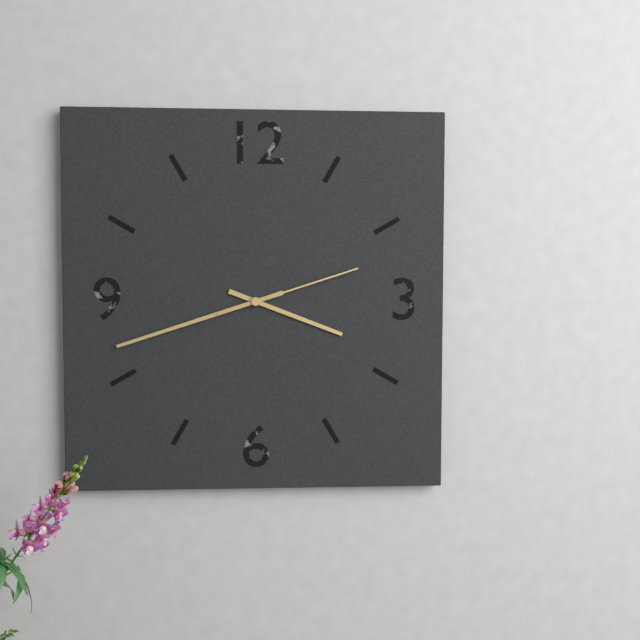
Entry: 3,42,12
